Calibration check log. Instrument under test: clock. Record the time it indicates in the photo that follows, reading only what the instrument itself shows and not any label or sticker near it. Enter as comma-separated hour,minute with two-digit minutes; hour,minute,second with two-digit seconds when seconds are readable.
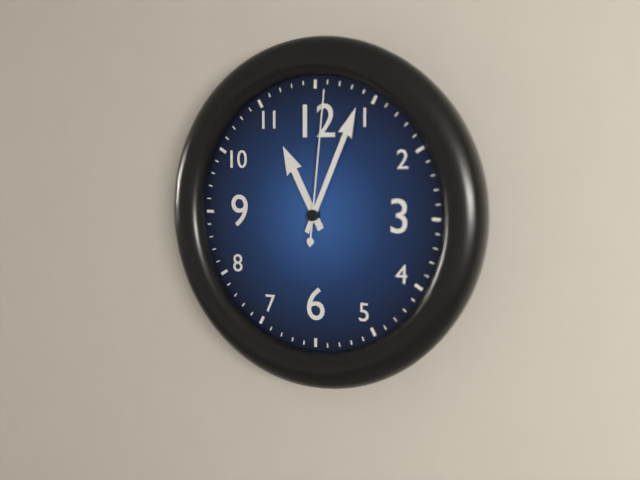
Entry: 11,04,01
